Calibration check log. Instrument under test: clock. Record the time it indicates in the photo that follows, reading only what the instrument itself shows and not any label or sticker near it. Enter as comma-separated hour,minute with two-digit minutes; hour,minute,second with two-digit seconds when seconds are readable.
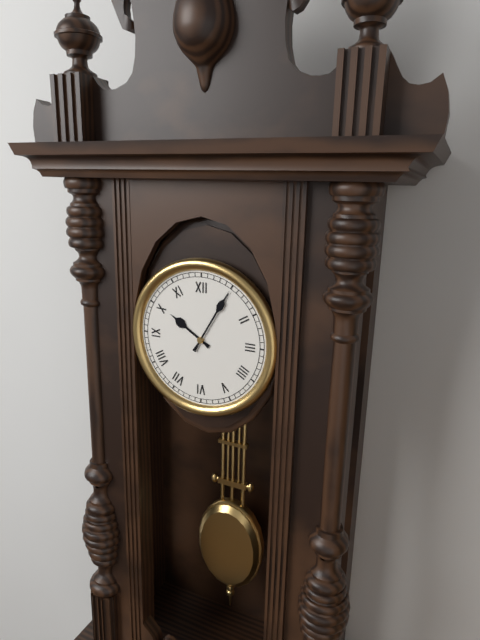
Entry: 10,05
